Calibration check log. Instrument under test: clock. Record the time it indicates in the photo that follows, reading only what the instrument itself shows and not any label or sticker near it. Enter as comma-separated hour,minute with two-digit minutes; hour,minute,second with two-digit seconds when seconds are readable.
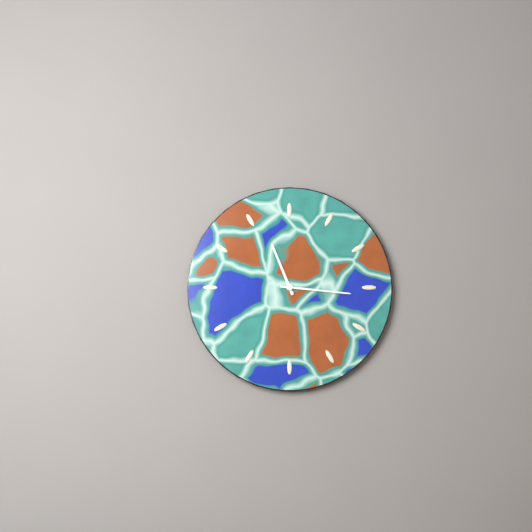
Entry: 11,16
